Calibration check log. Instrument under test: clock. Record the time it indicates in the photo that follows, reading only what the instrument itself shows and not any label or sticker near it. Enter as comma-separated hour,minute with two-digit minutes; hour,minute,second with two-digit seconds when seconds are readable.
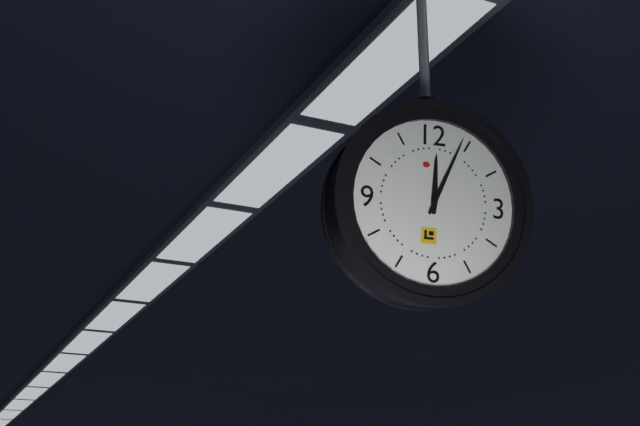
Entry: 12,04
